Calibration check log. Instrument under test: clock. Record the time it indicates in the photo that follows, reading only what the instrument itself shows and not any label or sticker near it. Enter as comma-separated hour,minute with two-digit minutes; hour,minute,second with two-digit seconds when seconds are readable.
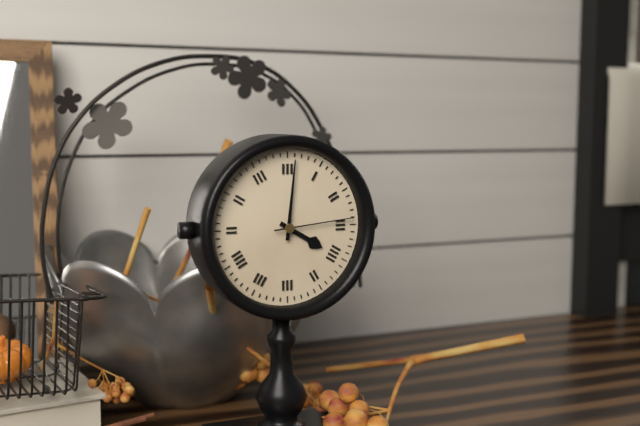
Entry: 4,01,14
